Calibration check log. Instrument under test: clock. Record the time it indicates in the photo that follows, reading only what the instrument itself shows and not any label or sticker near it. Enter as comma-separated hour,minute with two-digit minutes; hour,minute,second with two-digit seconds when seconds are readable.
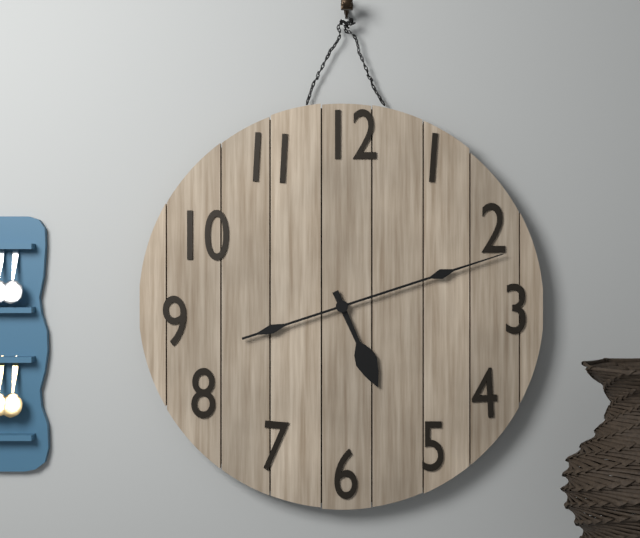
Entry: 5,12
